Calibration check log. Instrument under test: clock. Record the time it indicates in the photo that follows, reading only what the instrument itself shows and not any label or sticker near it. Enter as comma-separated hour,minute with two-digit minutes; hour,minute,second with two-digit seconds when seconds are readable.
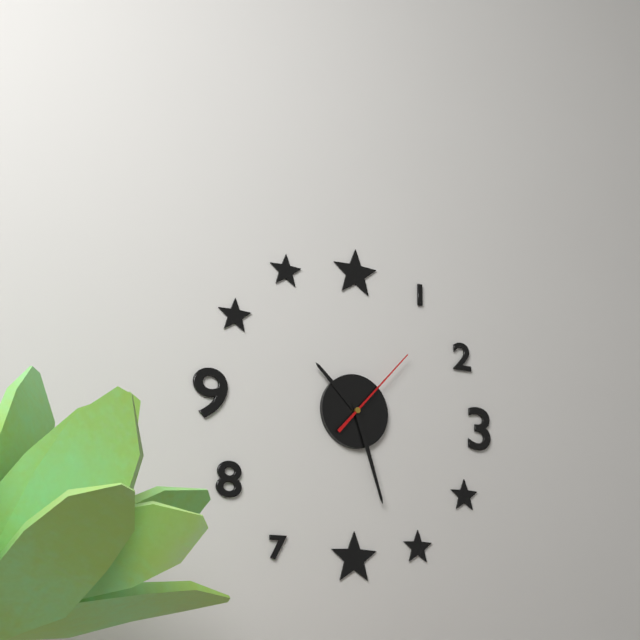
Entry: 10,27,07
